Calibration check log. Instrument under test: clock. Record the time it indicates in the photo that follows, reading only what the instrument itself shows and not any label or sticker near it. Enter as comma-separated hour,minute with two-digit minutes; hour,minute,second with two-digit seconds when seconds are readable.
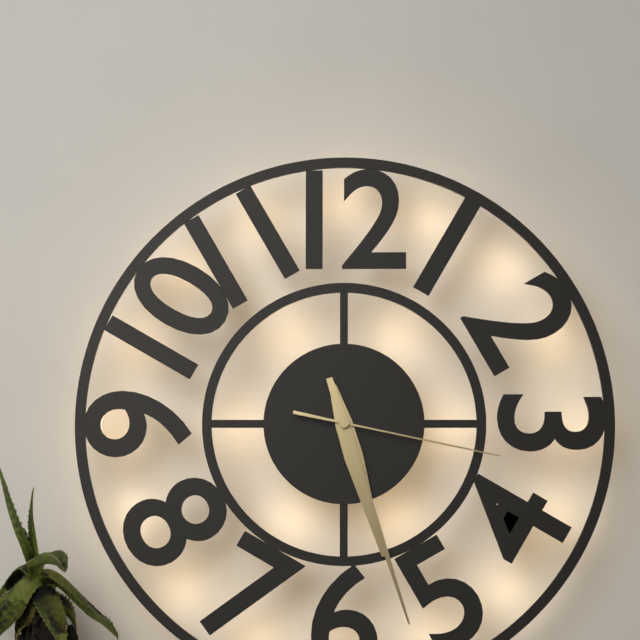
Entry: 5,27,17
